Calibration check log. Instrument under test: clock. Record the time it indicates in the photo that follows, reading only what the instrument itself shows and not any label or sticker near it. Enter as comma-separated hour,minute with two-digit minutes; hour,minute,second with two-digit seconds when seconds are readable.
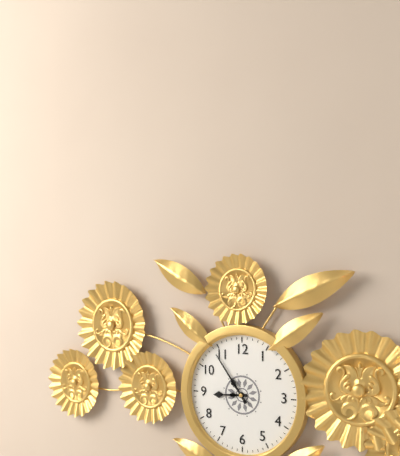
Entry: 8,54
